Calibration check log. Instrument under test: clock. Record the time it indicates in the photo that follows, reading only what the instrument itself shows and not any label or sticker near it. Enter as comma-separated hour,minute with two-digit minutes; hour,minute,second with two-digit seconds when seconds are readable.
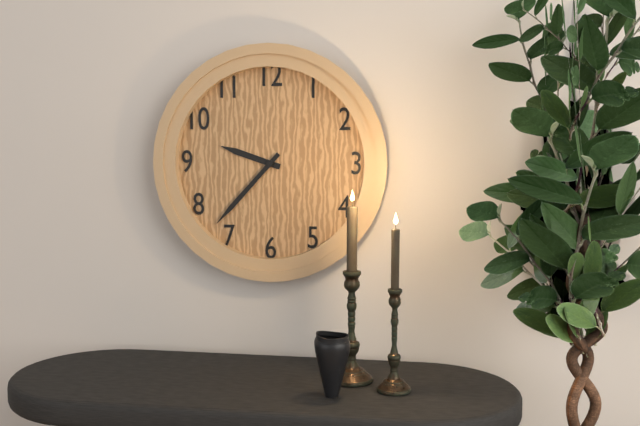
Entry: 9,37
